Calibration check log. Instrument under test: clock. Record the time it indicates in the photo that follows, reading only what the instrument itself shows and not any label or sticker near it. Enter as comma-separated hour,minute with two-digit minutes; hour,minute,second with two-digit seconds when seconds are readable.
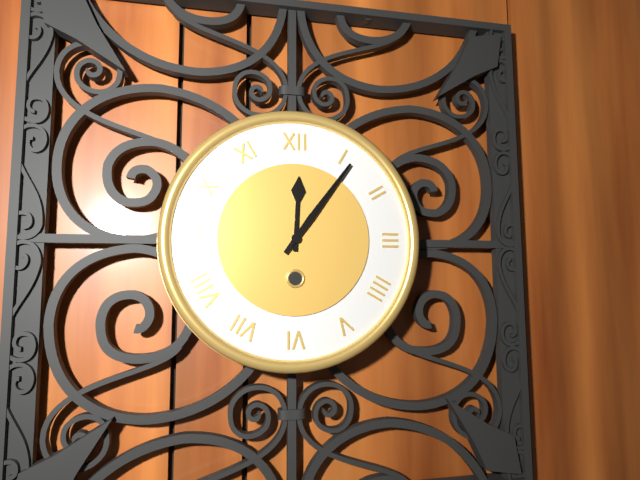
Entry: 12,06
